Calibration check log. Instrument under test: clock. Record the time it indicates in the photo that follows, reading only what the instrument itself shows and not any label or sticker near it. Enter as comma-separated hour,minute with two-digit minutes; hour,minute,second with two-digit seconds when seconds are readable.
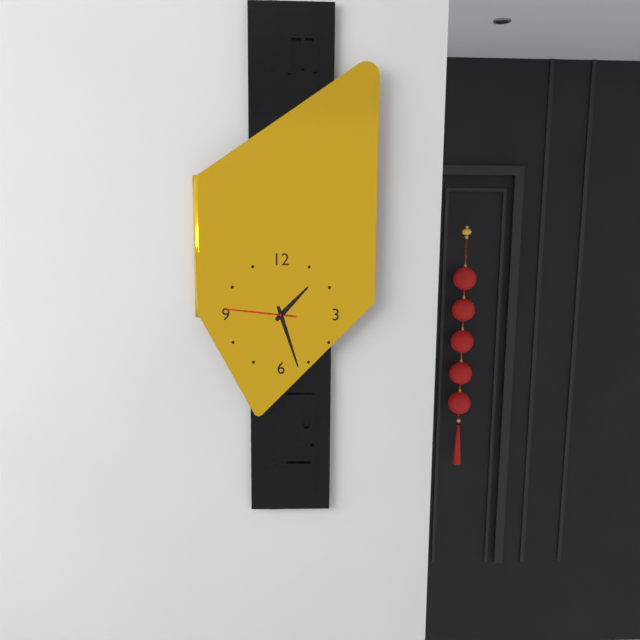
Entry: 1,27,46
